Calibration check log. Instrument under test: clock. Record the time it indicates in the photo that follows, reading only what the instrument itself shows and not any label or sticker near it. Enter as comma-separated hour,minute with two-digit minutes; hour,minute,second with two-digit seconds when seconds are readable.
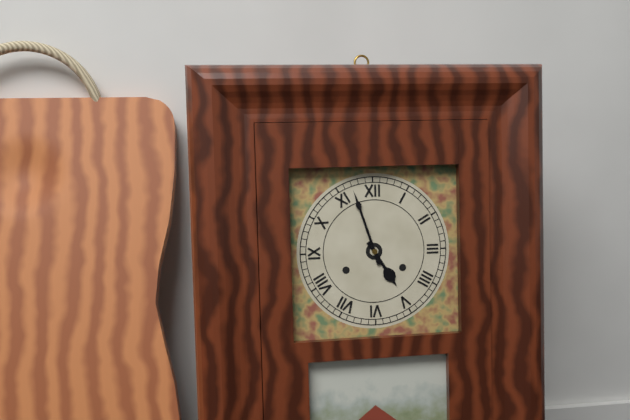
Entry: 4,57
